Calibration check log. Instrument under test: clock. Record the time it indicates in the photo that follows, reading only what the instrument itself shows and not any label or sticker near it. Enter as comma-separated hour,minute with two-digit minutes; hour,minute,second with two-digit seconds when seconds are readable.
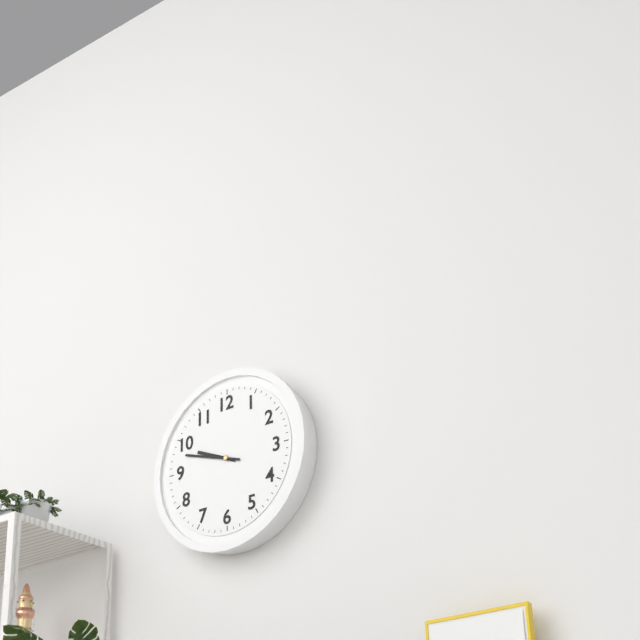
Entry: 9,48
